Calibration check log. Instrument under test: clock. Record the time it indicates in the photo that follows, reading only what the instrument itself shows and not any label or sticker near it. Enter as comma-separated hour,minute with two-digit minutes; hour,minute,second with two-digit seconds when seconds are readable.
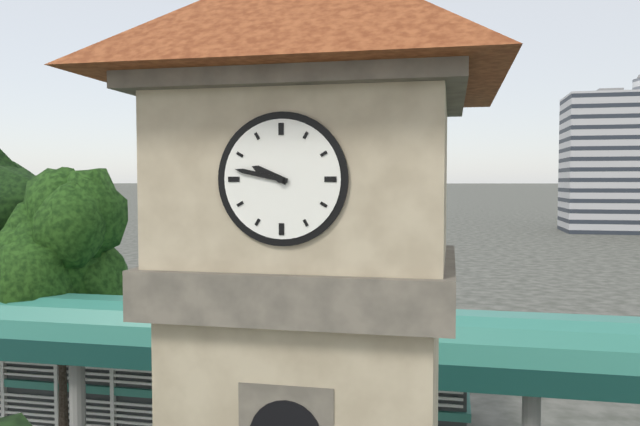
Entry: 9,47
